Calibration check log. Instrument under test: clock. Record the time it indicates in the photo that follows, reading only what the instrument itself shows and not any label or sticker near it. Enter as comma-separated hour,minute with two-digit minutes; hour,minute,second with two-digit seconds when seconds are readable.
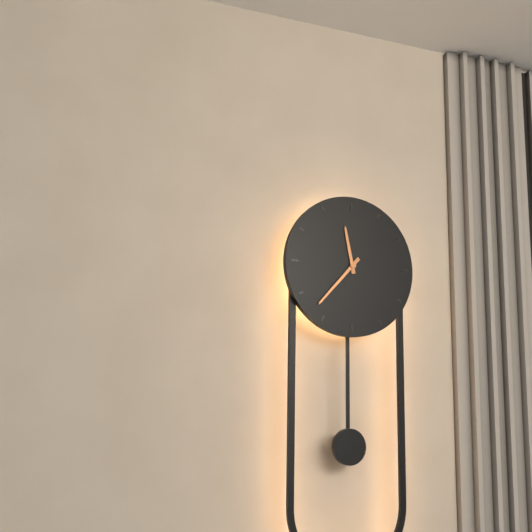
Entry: 11,37
